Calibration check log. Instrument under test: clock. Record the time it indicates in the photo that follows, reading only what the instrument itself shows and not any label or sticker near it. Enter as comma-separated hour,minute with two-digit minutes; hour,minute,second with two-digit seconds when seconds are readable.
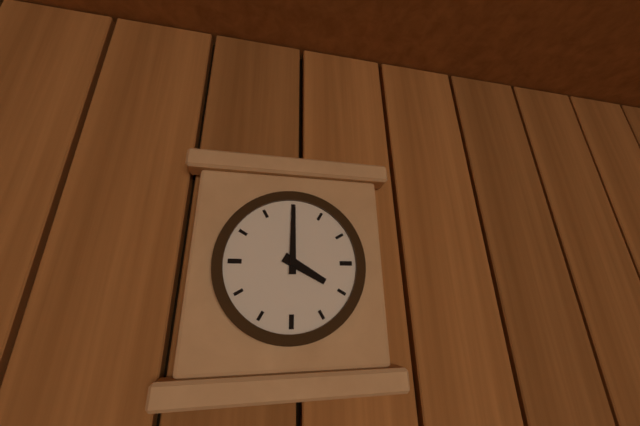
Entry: 4,00
